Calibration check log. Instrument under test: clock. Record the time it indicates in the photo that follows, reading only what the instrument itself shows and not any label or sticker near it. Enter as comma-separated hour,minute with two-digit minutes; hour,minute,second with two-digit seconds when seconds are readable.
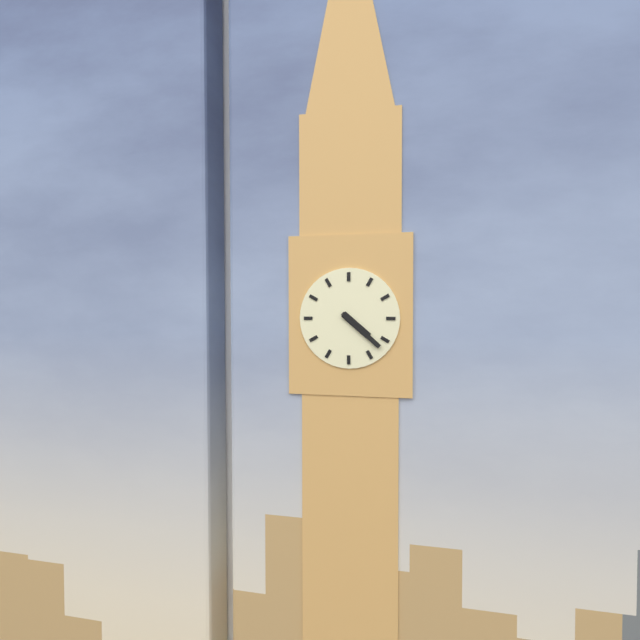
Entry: 4,22
